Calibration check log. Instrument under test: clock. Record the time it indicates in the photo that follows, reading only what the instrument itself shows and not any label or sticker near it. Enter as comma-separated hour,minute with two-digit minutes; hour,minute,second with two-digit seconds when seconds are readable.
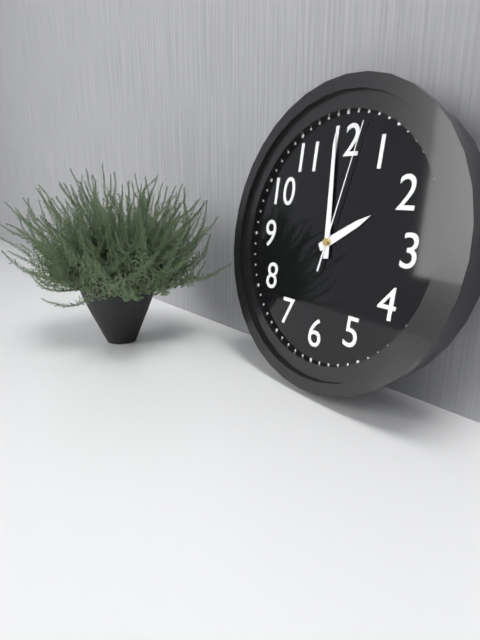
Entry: 1,59,02
